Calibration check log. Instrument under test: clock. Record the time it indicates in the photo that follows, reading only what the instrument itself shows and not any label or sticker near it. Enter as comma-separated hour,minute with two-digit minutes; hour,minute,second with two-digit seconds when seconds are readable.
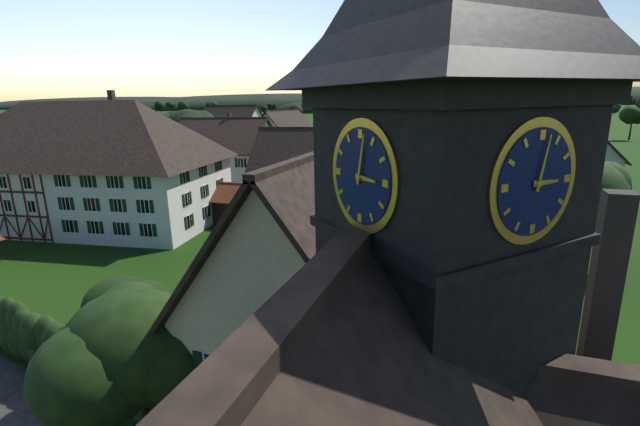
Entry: 3,02
